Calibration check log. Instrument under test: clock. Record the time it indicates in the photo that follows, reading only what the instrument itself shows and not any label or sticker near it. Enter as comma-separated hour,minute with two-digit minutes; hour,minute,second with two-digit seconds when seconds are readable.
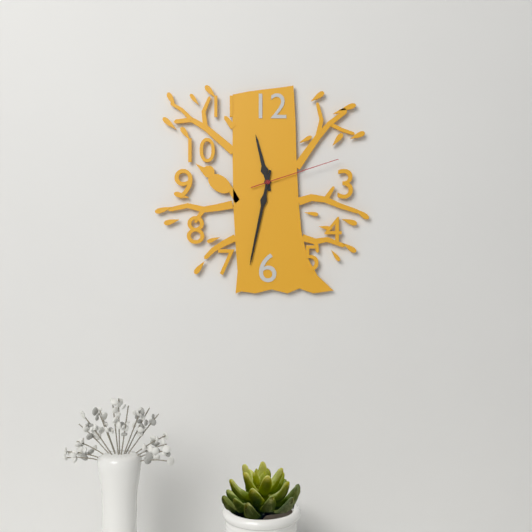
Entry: 11,32,12
